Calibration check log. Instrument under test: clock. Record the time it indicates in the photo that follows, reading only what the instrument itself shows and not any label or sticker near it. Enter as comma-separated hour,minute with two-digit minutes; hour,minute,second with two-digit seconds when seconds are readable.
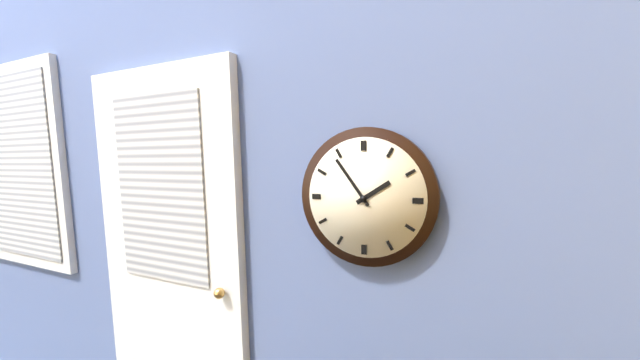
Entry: 1,54
